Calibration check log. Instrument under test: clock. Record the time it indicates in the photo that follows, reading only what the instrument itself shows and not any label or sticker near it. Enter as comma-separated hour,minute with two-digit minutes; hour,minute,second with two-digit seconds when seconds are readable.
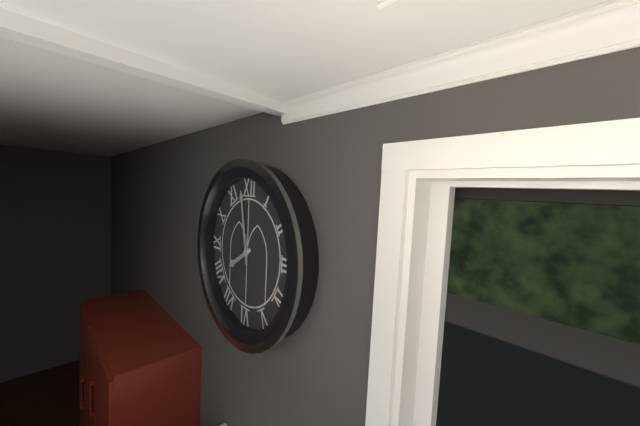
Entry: 7,58
